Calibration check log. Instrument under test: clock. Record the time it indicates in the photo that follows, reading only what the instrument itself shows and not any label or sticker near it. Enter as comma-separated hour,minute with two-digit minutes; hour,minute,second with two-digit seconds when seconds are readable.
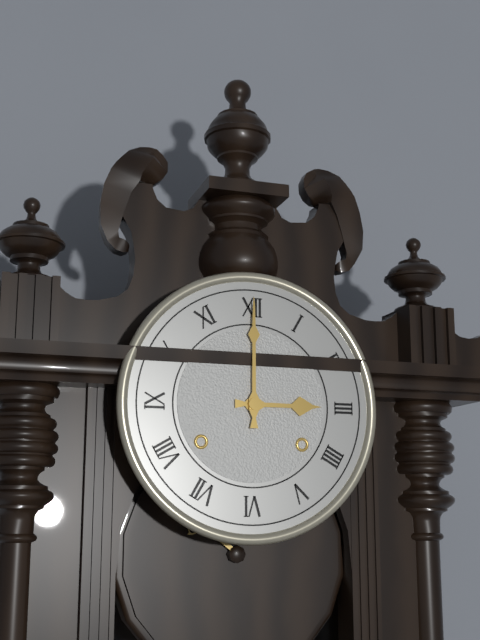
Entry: 3,00
